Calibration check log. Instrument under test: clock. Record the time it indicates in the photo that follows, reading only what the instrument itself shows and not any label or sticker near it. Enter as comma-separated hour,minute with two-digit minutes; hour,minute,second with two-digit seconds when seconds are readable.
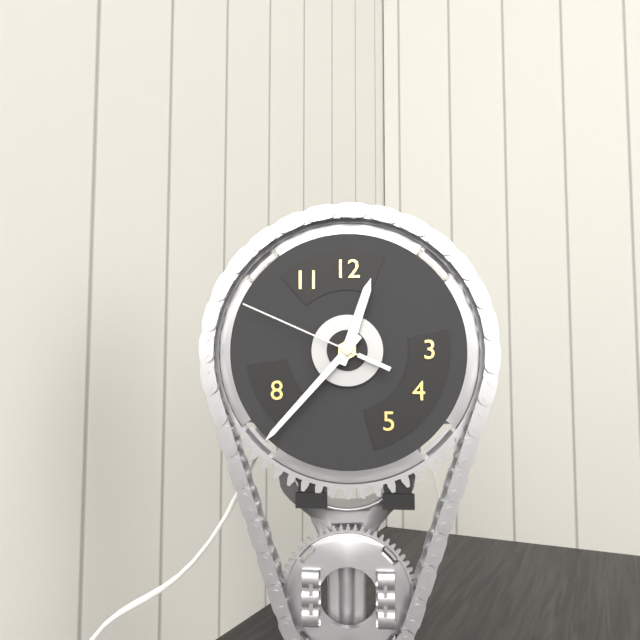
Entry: 12,37,49
